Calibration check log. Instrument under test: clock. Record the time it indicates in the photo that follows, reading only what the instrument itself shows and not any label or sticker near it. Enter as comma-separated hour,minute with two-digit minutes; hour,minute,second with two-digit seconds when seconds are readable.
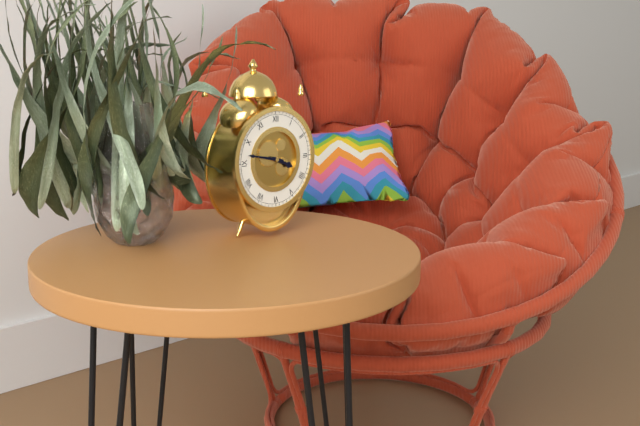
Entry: 3,47
